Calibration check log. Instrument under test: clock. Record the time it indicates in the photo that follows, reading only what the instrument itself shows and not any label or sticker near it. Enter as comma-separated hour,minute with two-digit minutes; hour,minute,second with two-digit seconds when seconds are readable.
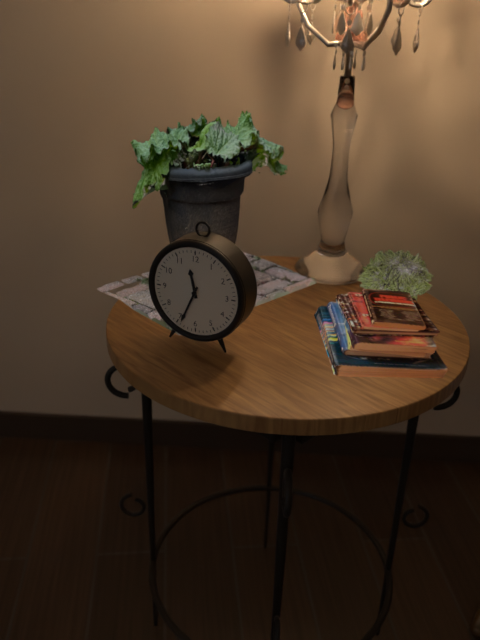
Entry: 11,34
